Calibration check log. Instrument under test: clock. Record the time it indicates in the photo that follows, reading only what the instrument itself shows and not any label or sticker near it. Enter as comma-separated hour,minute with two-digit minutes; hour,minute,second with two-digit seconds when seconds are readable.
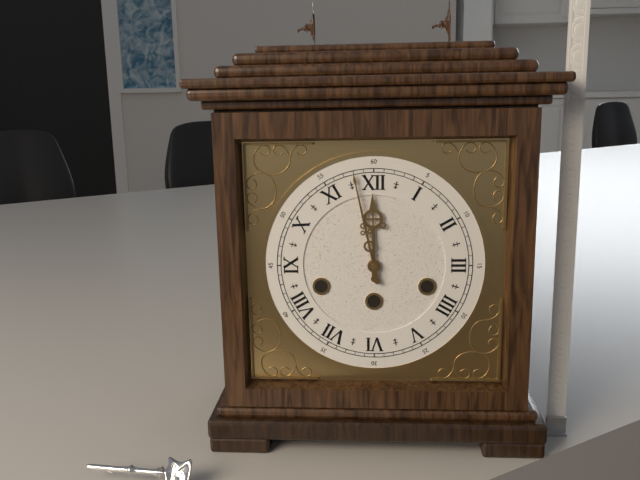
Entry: 11,58
